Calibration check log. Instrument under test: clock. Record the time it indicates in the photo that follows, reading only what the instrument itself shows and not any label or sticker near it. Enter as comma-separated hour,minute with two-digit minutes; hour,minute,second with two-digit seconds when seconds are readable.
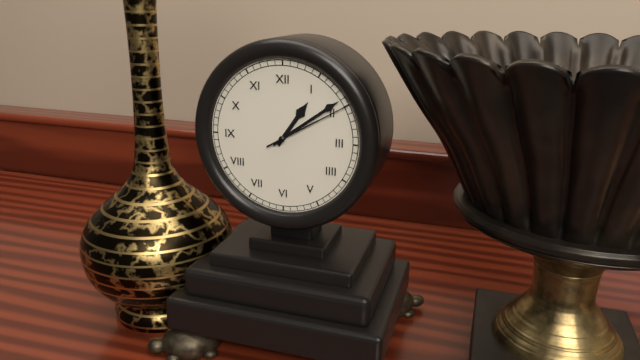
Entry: 1,09,10
